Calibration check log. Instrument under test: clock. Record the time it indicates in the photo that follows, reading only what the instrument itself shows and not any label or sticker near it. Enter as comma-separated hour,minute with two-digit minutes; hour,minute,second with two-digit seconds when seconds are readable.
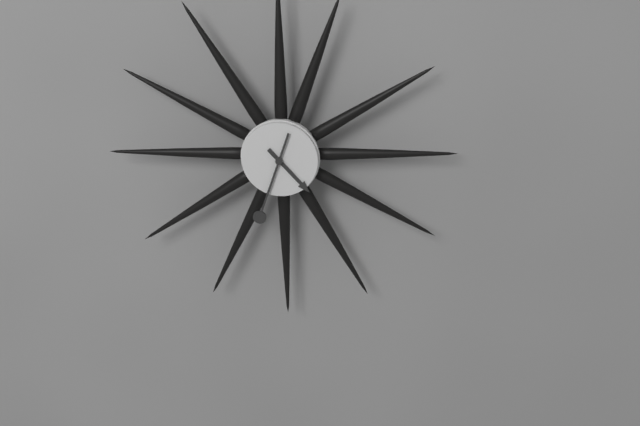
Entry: 4,33
